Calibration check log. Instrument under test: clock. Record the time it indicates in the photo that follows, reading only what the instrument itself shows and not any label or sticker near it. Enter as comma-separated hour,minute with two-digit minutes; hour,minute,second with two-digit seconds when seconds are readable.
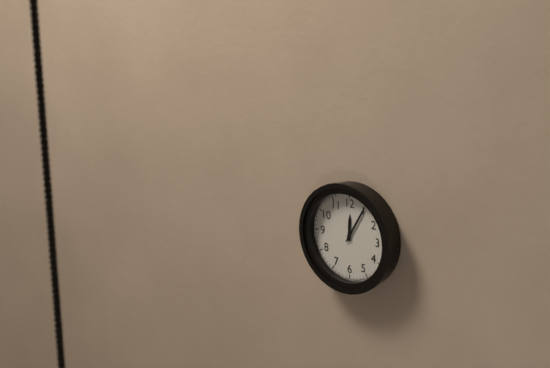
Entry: 12,05
